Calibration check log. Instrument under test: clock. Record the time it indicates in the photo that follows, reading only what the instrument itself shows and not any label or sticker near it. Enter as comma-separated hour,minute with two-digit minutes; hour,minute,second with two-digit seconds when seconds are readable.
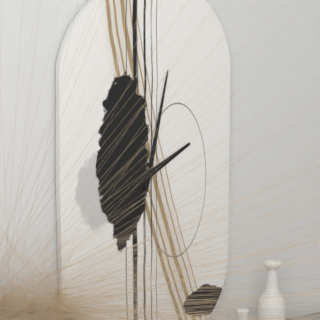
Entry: 2,02
